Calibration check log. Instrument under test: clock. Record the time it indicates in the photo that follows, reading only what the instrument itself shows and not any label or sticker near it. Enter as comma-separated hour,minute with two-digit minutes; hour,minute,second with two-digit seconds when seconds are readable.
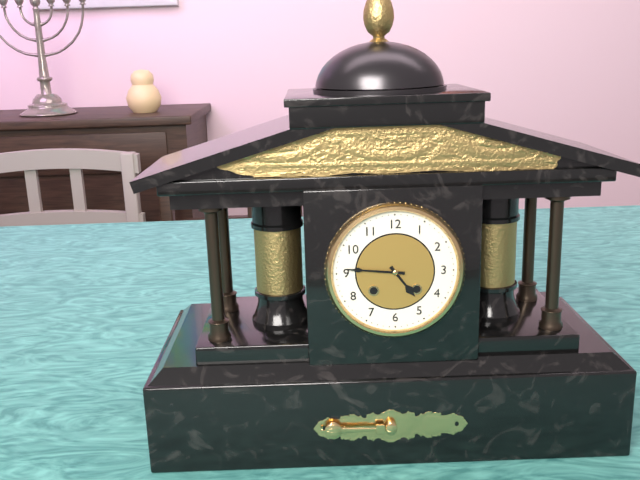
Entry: 4,46
